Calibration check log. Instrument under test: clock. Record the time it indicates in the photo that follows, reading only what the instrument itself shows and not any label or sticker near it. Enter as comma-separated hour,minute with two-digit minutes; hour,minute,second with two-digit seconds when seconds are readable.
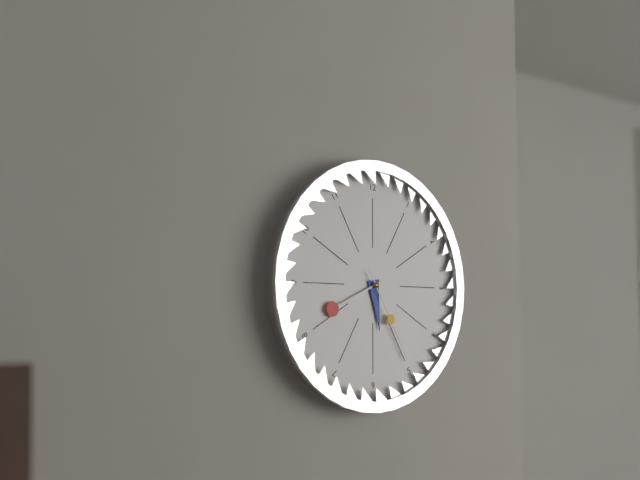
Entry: 5,41,25
